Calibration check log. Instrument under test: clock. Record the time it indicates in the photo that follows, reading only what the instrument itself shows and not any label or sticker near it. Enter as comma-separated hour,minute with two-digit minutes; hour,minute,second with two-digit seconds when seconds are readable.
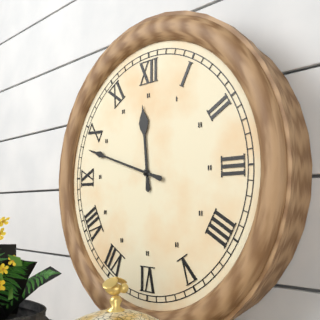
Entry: 11,48
